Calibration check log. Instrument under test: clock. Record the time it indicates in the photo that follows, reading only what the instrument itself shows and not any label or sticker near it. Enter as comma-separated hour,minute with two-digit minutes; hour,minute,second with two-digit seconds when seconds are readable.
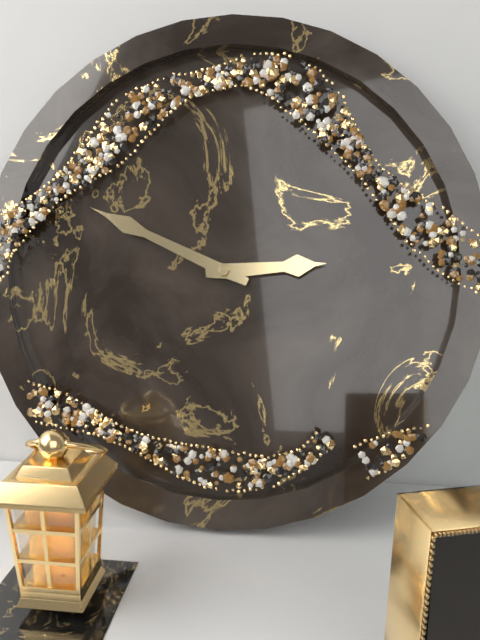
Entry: 2,49
